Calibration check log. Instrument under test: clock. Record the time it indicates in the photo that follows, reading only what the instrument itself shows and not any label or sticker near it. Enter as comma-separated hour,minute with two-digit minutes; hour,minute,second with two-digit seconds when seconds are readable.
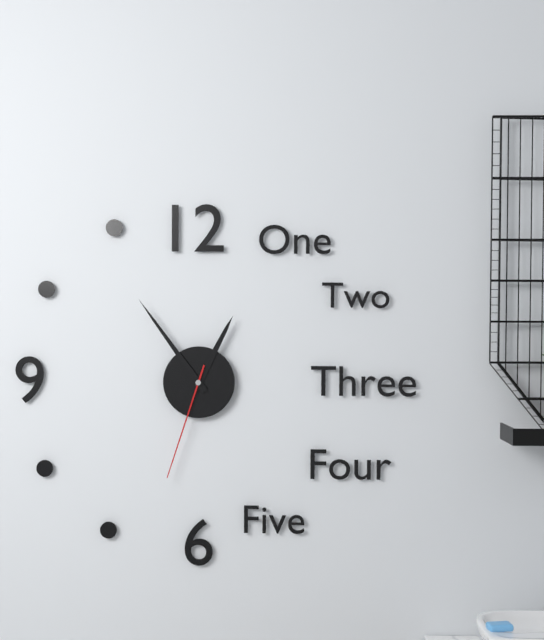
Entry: 12,54,33
